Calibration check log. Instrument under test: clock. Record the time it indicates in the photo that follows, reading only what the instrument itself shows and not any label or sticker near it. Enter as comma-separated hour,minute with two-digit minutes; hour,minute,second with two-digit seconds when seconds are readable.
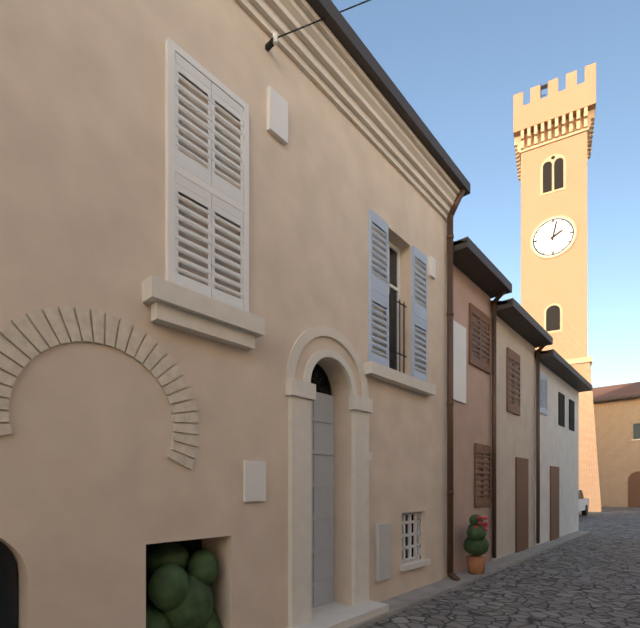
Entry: 2,02
